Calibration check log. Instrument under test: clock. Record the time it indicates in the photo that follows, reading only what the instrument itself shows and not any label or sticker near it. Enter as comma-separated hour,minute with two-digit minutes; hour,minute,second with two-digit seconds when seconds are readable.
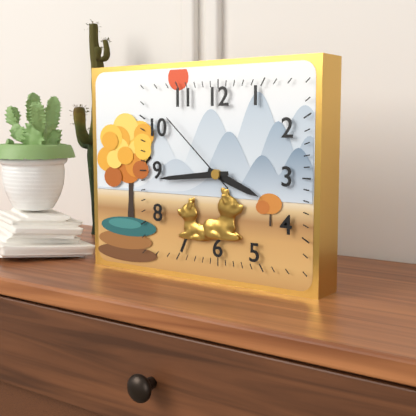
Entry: 3,44,52
